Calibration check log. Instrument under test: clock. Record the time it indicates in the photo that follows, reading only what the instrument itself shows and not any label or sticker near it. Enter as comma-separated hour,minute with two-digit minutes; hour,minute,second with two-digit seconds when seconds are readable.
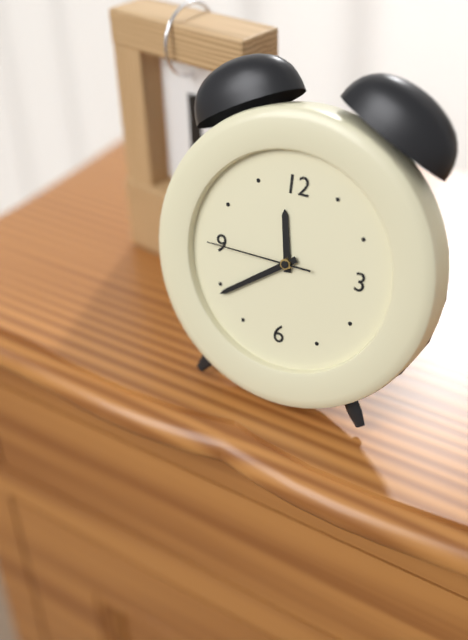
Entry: 11,39,45
